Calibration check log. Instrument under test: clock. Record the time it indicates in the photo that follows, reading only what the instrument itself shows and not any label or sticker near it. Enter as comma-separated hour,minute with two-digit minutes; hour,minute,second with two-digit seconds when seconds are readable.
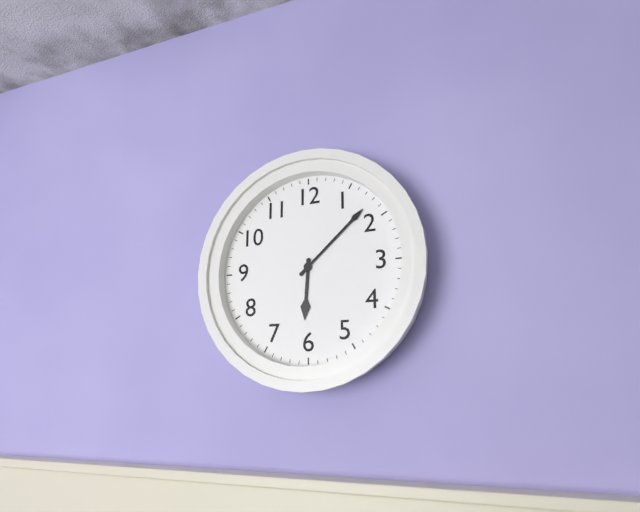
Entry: 6,08
